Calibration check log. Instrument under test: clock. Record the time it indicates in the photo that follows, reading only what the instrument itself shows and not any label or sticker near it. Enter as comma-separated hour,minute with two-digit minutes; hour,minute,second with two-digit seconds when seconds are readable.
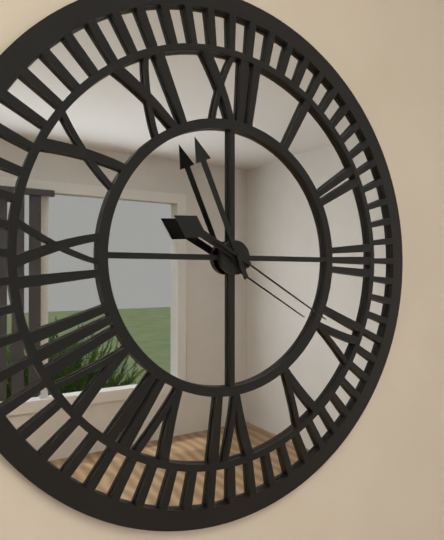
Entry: 9,56,20
